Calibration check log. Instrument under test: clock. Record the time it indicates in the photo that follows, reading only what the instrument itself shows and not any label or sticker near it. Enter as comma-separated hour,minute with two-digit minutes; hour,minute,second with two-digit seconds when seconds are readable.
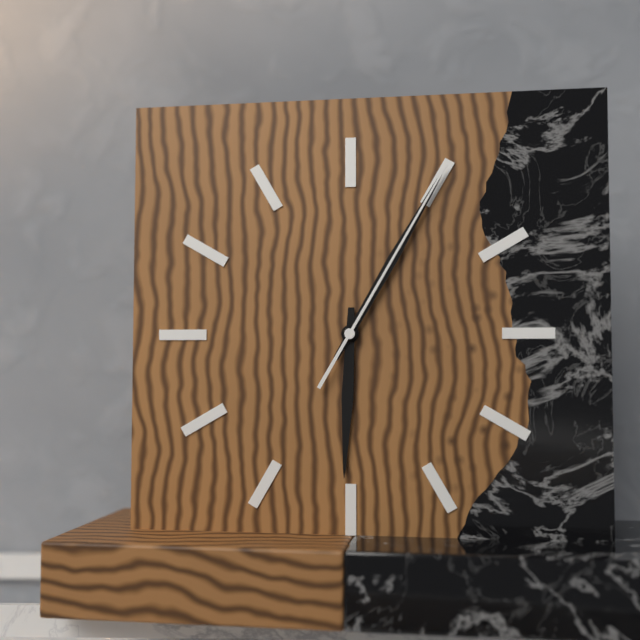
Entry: 6,05,05
